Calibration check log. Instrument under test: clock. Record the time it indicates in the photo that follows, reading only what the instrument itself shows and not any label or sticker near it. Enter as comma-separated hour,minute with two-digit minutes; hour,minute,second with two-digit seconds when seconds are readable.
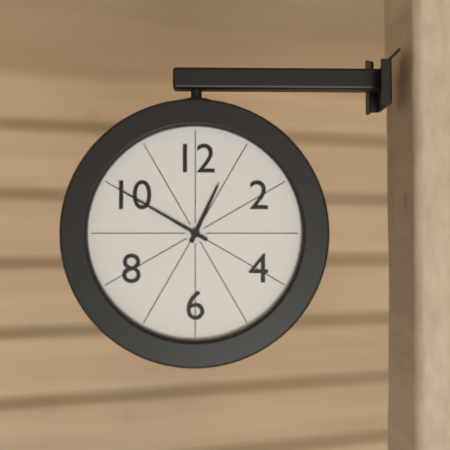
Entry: 12,50
